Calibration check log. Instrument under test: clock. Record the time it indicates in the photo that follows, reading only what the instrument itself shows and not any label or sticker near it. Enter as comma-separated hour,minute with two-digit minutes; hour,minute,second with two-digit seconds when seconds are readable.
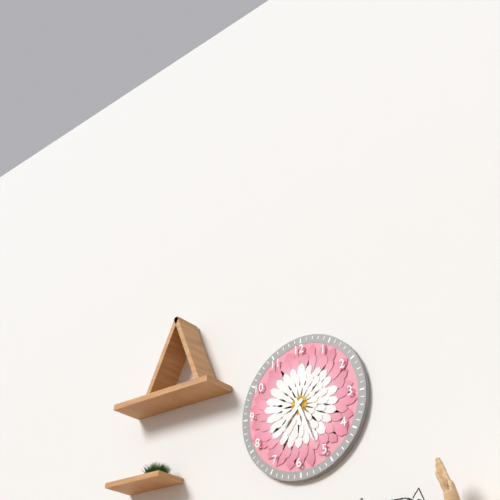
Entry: 7,26
